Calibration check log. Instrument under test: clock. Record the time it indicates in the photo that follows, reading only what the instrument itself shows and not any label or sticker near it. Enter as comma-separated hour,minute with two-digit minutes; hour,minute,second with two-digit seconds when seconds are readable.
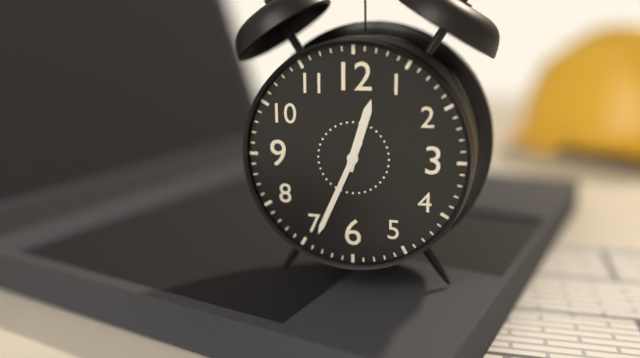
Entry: 12,34
